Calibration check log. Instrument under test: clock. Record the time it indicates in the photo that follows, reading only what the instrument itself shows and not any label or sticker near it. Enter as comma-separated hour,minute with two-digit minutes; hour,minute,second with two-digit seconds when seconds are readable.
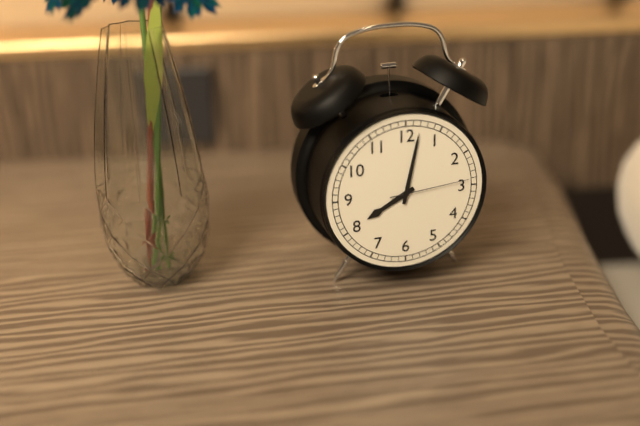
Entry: 8,02,14
